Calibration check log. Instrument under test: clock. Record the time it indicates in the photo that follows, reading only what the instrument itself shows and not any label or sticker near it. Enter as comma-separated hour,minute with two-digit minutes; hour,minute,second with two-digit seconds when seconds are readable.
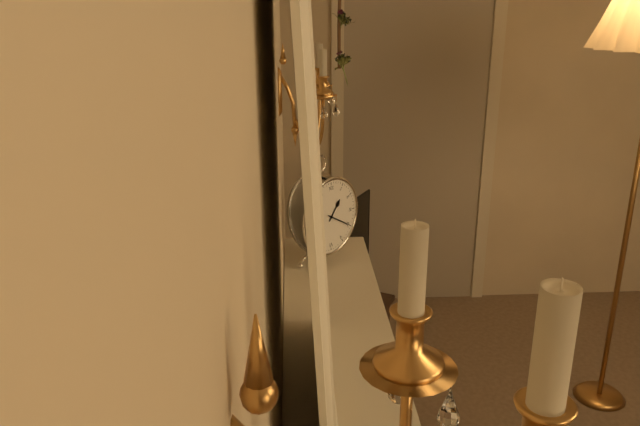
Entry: 1,20
